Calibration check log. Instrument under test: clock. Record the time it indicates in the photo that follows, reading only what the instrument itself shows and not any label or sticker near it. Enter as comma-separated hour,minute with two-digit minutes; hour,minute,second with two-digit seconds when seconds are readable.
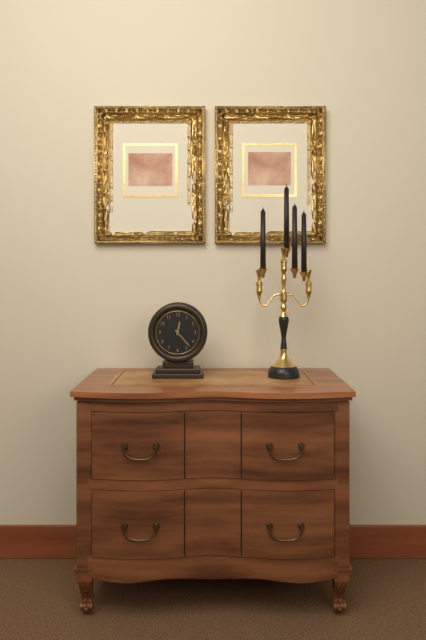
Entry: 12,23
